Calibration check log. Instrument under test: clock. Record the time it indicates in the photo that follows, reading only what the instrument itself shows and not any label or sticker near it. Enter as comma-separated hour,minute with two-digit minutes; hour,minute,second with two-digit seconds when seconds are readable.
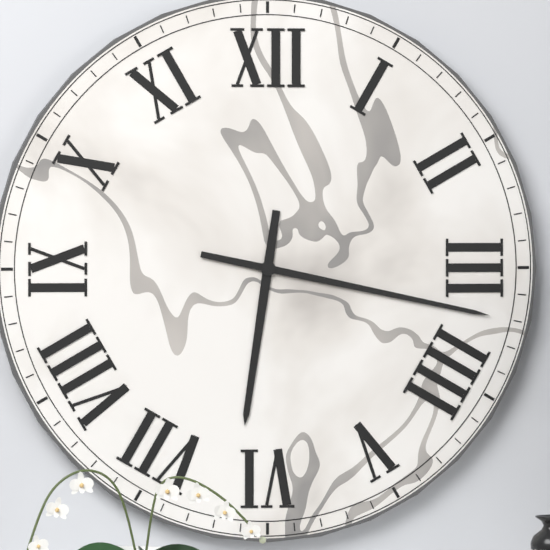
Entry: 6,17
